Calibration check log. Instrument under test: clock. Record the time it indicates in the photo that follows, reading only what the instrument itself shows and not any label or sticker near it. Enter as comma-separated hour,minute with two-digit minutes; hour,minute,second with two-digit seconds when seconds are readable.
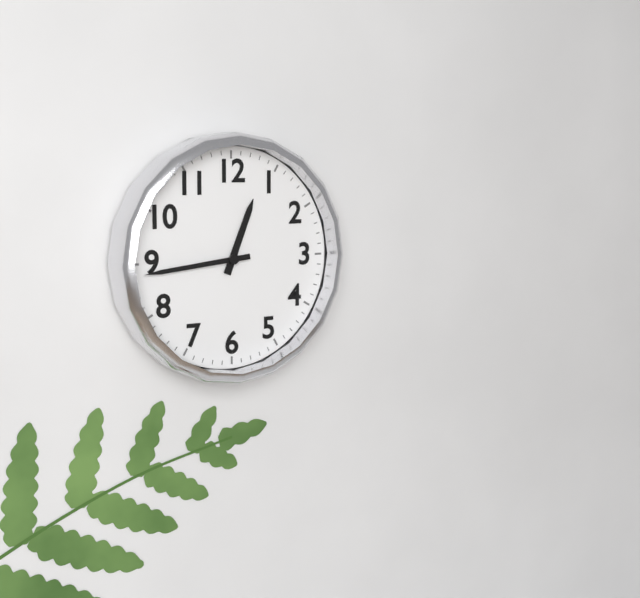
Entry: 12,44
